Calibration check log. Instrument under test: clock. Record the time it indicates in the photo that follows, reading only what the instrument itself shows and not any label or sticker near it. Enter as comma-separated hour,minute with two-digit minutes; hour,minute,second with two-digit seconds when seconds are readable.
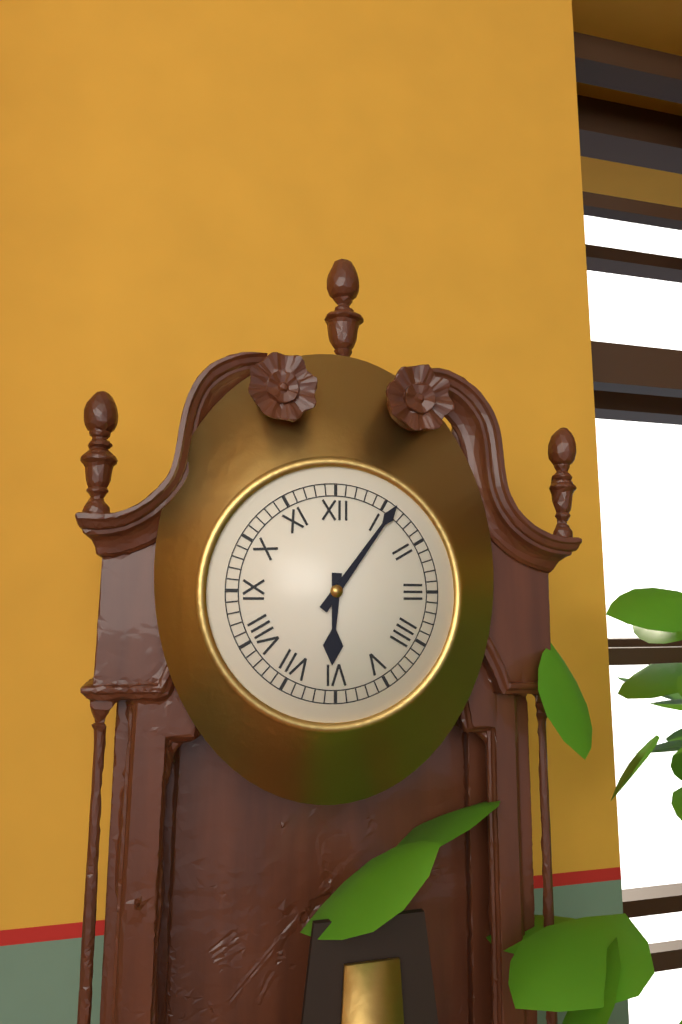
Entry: 6,06
